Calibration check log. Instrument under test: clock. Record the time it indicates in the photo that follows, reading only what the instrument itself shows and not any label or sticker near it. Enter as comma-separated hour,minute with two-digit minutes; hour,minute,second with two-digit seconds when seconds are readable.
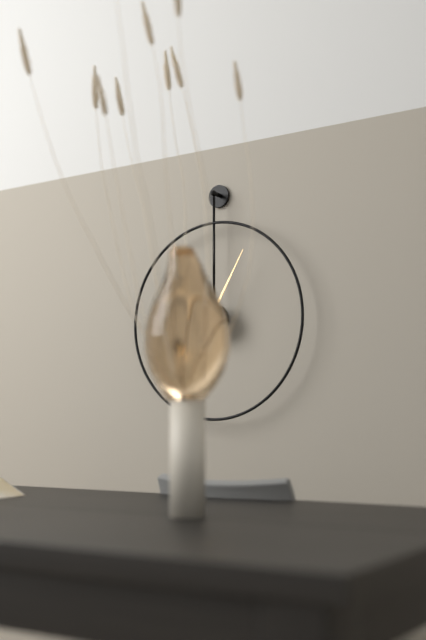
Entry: 10,05
